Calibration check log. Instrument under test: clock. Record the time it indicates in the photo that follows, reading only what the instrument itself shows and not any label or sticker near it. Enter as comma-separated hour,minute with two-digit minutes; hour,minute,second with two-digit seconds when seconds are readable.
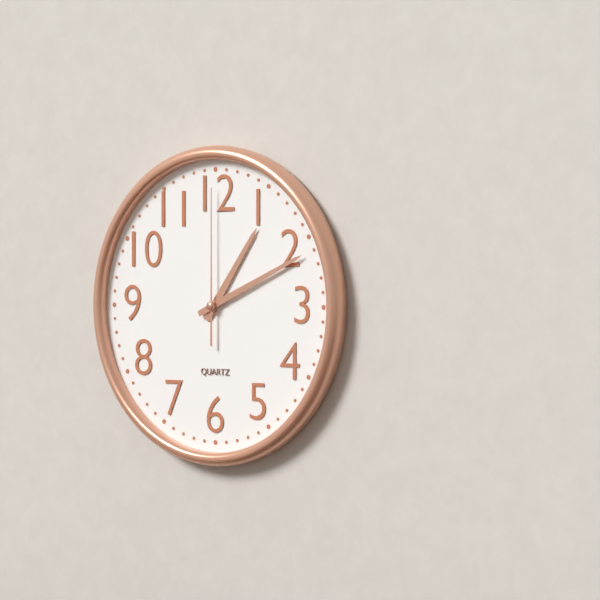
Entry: 1,11,00
